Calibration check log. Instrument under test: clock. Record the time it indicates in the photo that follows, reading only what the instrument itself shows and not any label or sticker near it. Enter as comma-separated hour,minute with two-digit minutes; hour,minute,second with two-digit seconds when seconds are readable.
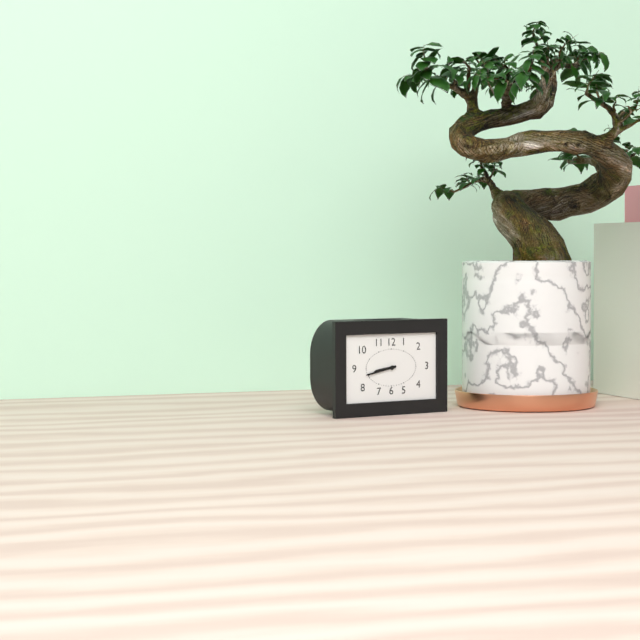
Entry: 8,43
